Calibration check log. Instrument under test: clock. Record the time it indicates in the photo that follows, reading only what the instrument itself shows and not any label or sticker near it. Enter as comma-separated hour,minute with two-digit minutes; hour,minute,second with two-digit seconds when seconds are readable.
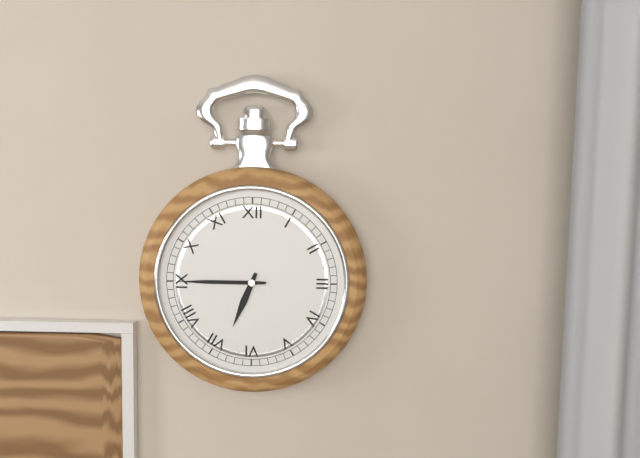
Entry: 6,45
